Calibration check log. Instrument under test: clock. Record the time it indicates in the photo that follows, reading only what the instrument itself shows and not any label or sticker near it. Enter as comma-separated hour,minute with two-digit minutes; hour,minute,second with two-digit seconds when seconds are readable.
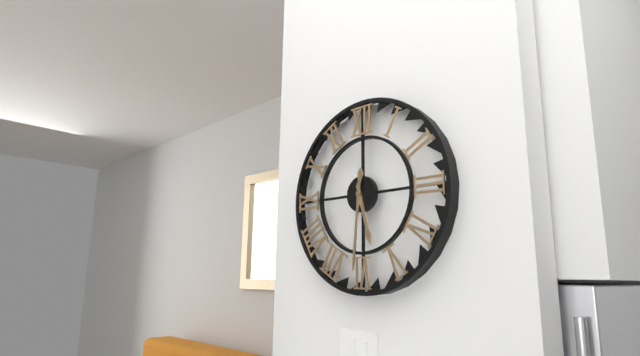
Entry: 5,31
